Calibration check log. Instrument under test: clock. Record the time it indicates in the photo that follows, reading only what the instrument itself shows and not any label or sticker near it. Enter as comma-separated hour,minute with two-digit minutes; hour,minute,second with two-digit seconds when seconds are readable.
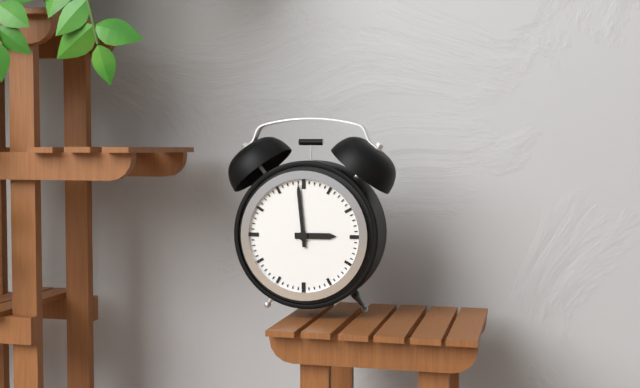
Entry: 2,59
